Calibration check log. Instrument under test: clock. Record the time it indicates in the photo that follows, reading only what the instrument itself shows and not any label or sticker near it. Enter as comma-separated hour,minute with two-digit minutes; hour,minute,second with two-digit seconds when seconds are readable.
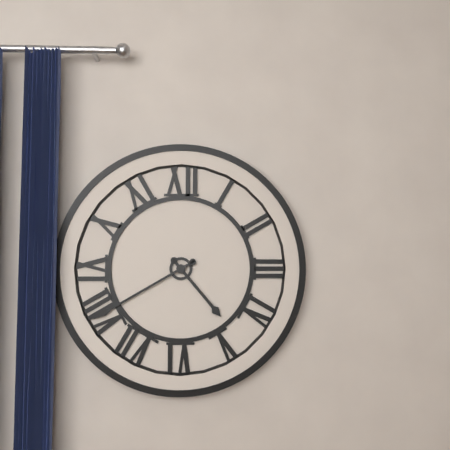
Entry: 4,40
